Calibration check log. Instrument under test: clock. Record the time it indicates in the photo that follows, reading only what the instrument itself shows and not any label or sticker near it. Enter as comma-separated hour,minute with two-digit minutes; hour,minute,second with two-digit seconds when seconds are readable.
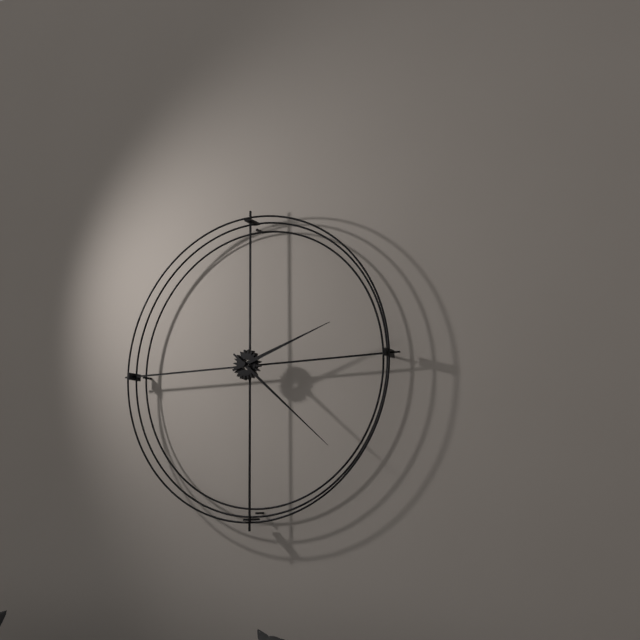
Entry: 2,22
